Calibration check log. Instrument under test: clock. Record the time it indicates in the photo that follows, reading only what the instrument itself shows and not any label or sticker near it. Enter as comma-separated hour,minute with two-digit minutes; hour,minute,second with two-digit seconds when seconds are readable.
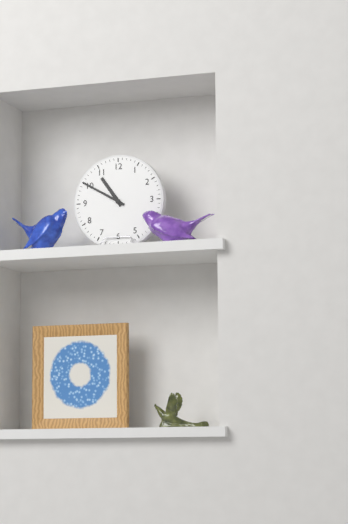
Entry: 10,50
